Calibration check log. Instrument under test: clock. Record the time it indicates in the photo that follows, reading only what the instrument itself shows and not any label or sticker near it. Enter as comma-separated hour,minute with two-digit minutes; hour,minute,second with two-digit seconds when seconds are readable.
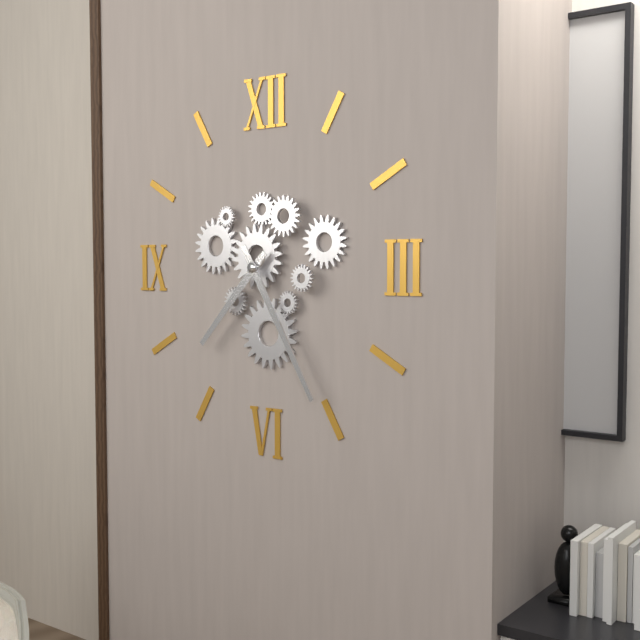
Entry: 7,25
